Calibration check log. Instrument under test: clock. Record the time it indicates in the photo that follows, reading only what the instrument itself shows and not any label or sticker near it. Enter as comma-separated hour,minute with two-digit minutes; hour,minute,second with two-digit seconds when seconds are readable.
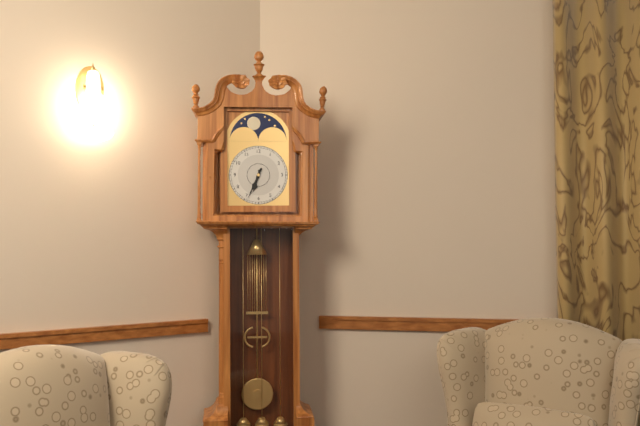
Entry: 6,34
